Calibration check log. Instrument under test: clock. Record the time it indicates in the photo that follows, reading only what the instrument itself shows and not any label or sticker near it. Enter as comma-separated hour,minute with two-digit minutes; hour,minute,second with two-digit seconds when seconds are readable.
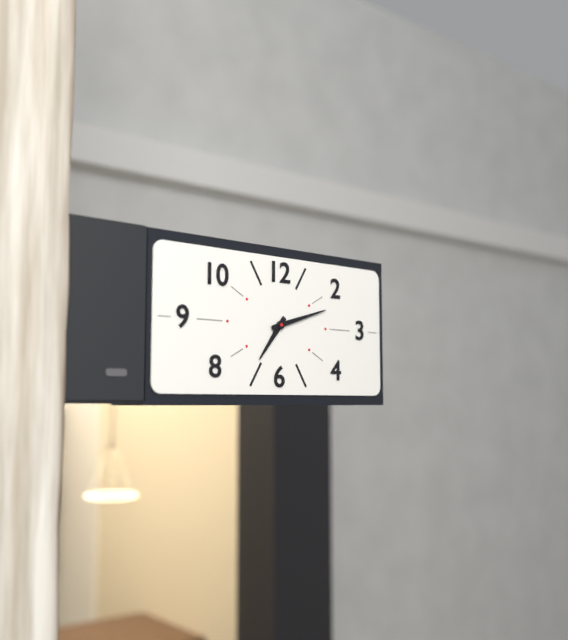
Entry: 7,12
